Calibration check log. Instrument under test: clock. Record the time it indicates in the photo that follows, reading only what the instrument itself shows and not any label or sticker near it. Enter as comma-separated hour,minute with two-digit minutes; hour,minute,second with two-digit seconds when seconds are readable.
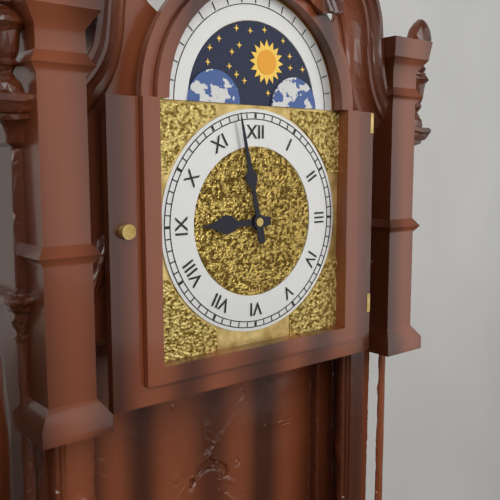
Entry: 8,58
